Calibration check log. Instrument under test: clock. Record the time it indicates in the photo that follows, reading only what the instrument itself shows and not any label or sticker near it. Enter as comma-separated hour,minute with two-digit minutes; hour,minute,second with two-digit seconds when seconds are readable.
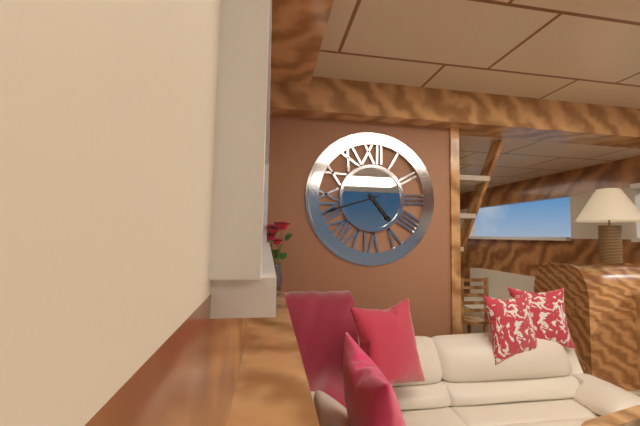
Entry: 4,42
